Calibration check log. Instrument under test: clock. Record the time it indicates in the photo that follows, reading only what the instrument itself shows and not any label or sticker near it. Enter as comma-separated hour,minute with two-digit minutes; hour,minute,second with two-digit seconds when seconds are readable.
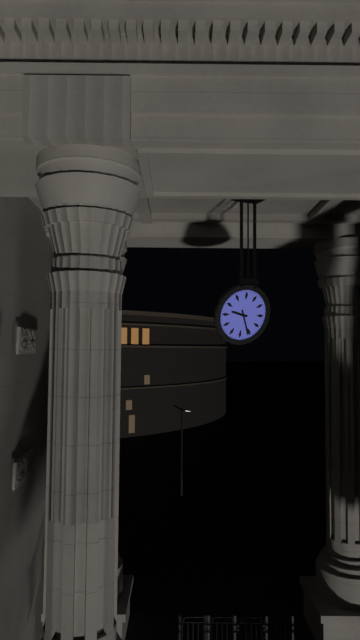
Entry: 9,26
